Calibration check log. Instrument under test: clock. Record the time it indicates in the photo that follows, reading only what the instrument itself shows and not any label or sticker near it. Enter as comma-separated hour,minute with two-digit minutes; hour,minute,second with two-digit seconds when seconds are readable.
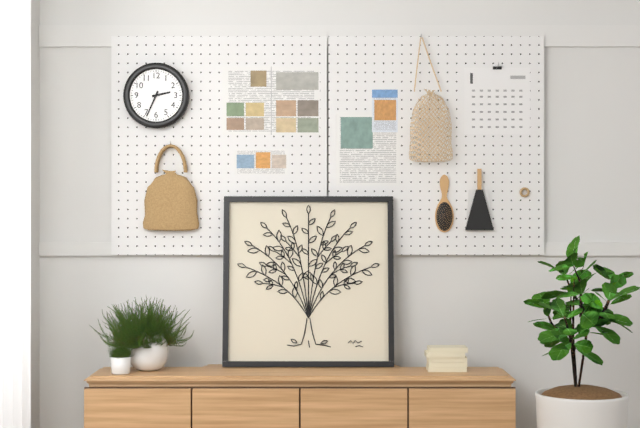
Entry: 2,34
